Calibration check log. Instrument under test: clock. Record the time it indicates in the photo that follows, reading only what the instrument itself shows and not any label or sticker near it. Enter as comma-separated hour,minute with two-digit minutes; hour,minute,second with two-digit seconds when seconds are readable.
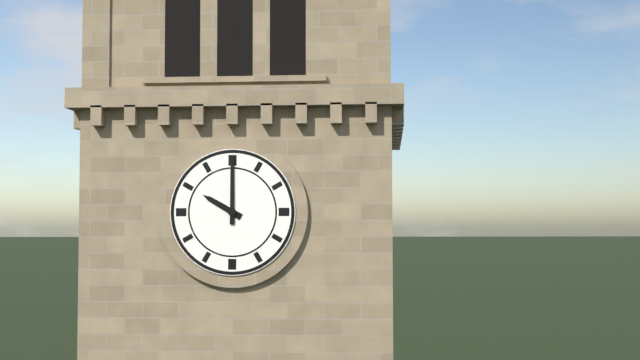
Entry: 10,00
